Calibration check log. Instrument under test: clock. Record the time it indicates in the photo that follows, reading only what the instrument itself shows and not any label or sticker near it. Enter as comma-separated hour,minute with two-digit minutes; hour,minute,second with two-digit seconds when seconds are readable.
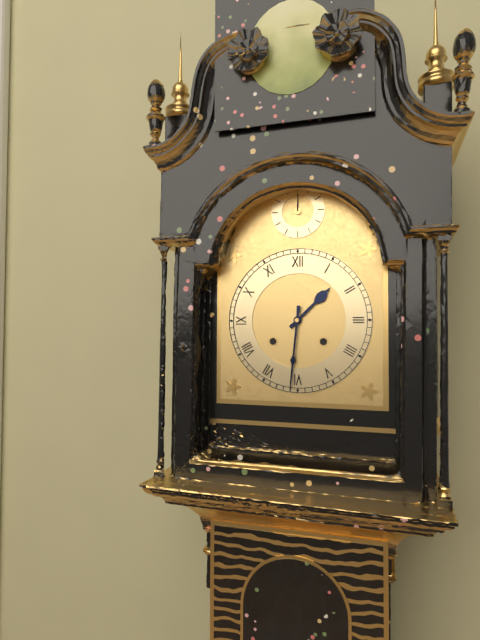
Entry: 1,31
